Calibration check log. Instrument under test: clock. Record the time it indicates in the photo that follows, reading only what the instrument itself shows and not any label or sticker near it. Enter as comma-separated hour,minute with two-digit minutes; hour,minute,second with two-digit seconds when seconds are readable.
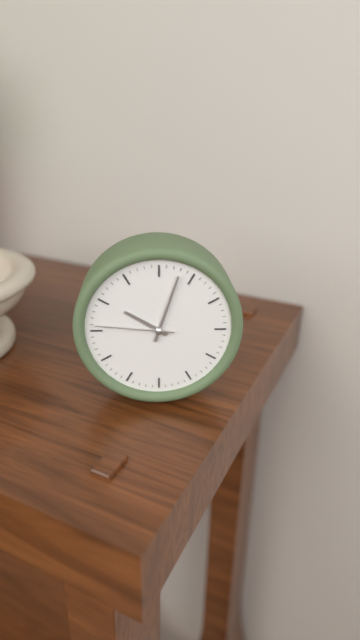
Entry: 10,03,46
